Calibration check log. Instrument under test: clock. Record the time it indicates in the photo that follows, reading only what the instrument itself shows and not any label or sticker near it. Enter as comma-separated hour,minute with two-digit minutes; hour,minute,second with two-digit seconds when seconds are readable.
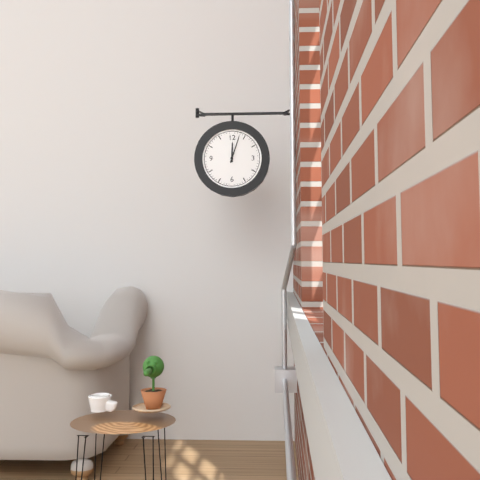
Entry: 12,03
